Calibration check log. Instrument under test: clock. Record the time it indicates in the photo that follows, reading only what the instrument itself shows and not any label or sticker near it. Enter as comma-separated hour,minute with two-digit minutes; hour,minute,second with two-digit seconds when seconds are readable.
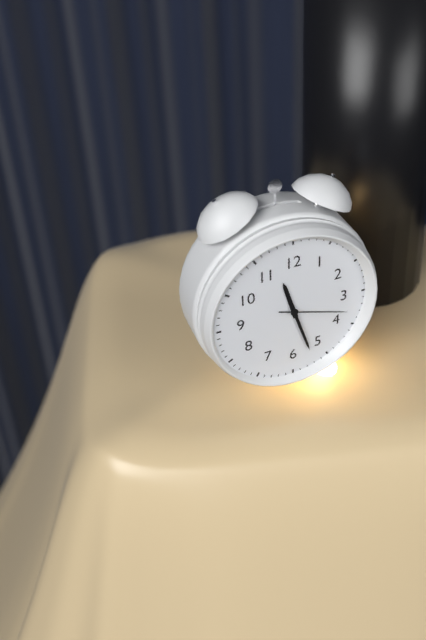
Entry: 11,27,18
